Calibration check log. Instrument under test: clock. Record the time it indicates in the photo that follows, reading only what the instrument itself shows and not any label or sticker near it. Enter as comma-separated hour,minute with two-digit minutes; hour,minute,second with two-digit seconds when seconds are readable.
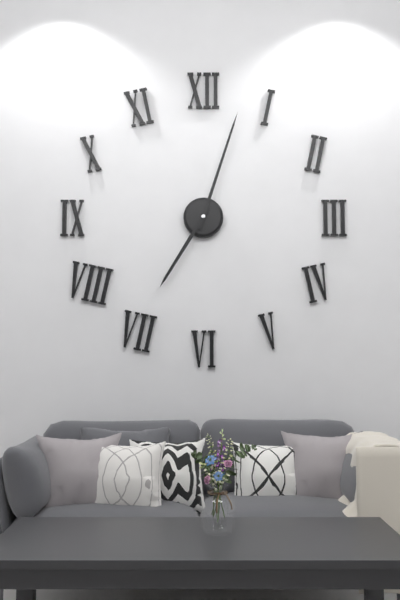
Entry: 7,03
